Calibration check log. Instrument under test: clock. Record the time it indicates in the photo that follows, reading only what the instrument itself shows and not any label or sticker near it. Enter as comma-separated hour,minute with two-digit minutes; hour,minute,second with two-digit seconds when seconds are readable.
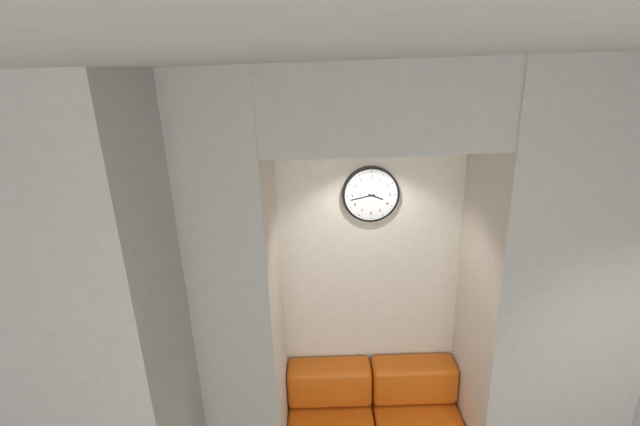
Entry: 3,43
